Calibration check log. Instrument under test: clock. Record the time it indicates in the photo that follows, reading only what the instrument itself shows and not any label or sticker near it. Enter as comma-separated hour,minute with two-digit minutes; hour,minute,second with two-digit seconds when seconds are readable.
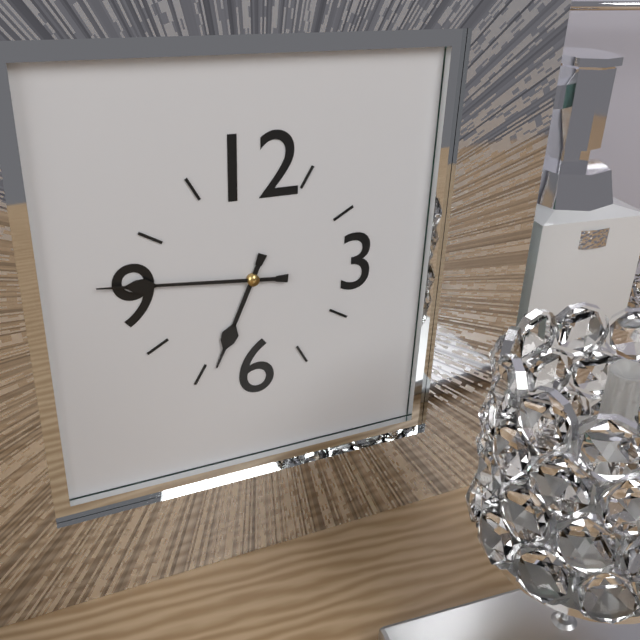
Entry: 6,46
